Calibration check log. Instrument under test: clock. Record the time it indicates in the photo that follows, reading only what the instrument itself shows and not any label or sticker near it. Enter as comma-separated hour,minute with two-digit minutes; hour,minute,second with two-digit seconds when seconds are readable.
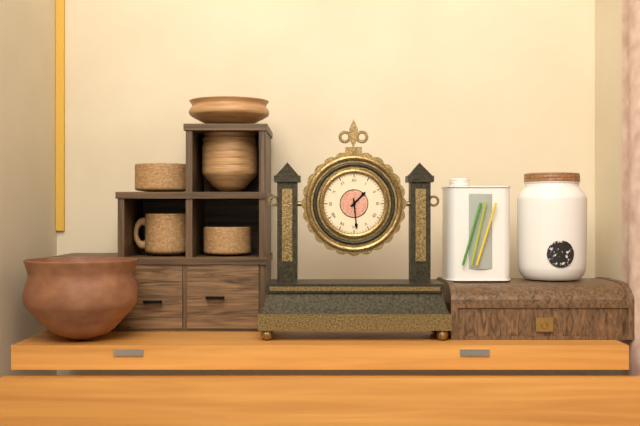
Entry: 1,29
